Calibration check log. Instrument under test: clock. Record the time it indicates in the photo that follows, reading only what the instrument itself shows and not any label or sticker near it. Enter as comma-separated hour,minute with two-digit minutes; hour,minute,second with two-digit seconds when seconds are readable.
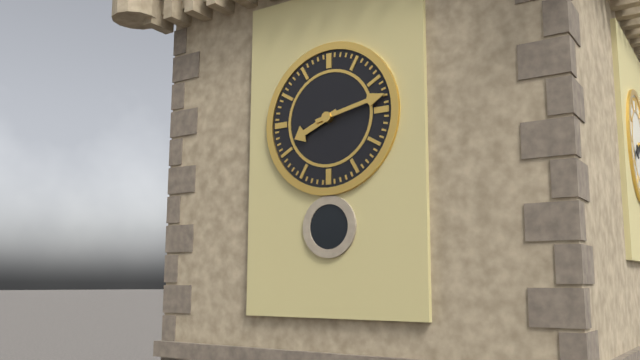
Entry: 8,13
